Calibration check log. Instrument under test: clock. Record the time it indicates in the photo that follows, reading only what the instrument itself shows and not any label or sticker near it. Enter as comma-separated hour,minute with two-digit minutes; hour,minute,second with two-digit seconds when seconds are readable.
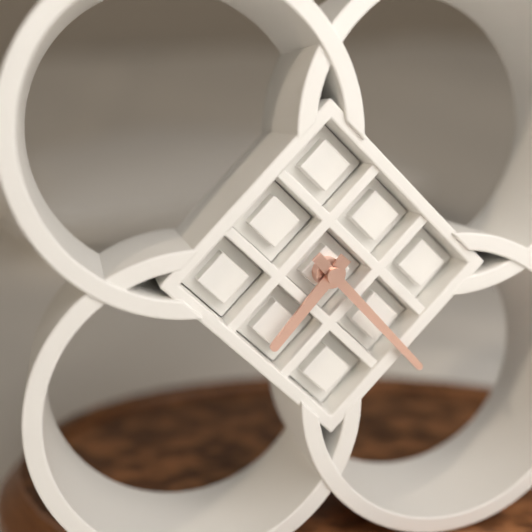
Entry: 7,23
